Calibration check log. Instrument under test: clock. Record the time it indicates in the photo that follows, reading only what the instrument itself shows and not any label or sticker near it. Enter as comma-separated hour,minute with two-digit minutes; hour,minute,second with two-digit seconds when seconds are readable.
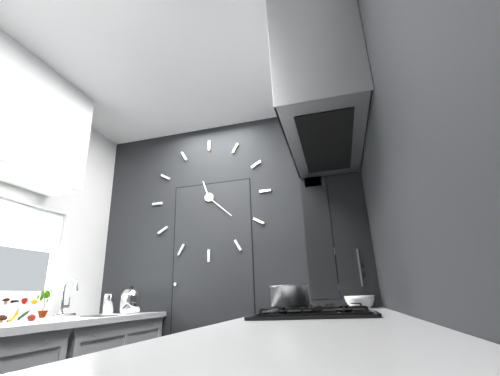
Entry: 11,22
